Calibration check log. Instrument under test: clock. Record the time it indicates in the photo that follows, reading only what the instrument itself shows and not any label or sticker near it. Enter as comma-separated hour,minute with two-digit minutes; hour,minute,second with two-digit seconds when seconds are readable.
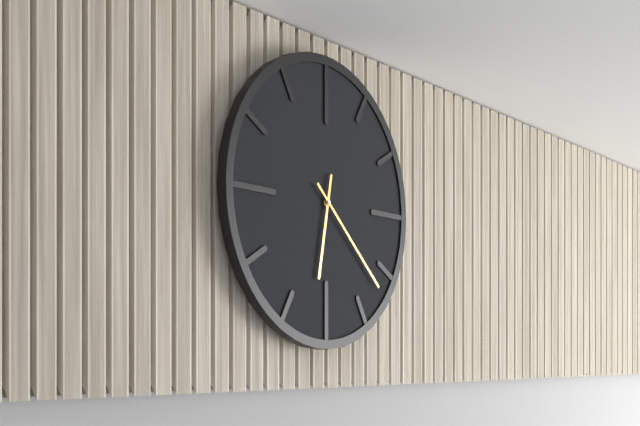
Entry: 6,22
